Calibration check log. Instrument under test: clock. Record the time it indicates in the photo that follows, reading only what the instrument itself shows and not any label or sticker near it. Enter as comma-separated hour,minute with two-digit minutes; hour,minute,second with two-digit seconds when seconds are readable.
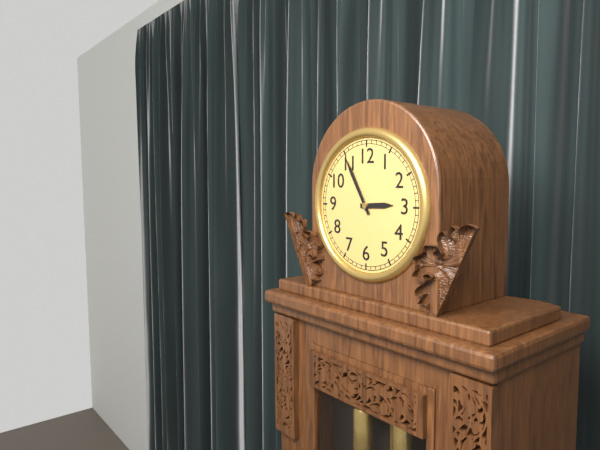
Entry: 2,55
